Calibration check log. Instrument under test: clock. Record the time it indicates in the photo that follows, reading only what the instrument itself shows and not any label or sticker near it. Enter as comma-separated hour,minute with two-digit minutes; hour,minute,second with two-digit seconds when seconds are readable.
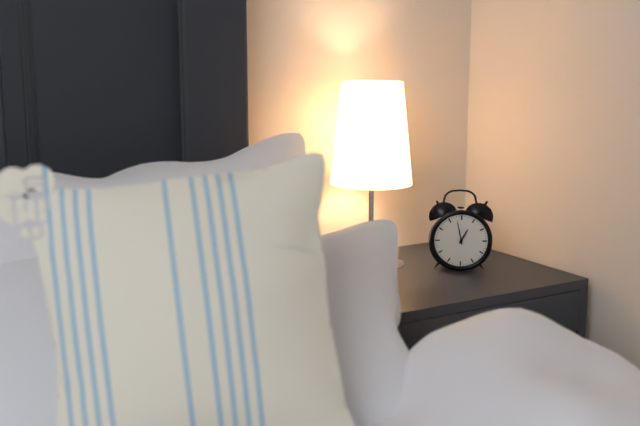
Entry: 12,58
